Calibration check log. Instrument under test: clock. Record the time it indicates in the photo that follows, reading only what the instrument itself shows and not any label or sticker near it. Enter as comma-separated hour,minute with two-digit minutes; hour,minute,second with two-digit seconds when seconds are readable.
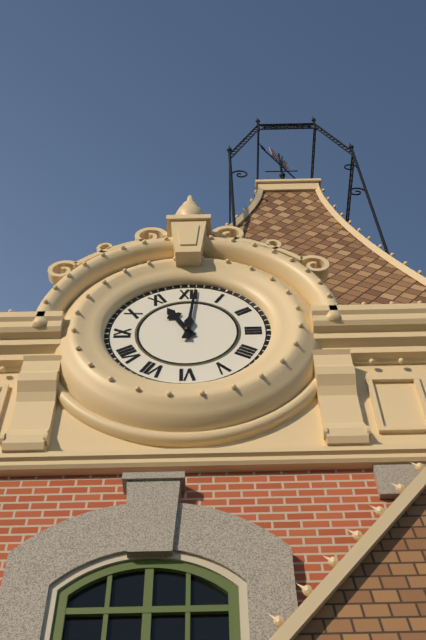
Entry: 11,01
